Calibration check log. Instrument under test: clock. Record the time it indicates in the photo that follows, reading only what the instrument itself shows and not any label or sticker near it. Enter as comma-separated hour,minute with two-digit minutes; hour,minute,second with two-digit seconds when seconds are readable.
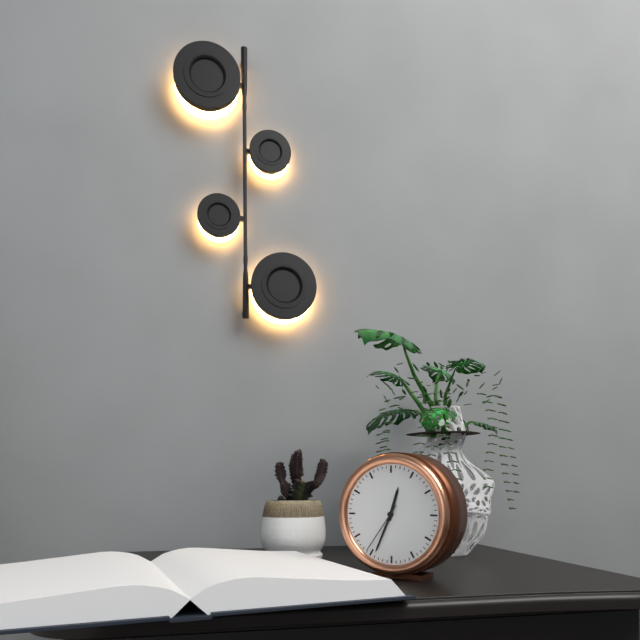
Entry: 12,34,36
